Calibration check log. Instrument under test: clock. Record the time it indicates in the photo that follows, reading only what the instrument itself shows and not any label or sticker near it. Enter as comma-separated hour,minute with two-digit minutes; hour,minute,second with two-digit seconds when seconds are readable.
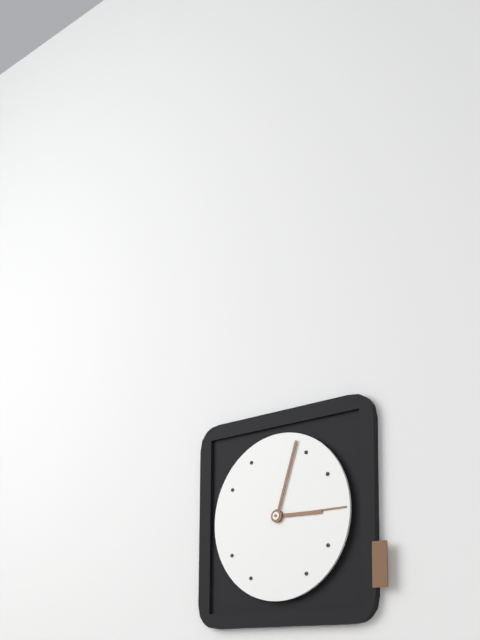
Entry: 3,03
